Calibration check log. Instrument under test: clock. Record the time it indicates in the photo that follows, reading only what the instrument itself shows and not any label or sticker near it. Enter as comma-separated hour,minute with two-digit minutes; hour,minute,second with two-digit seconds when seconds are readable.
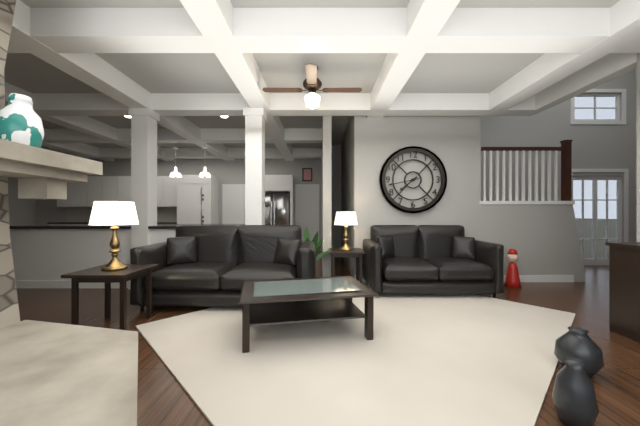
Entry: 7,43
